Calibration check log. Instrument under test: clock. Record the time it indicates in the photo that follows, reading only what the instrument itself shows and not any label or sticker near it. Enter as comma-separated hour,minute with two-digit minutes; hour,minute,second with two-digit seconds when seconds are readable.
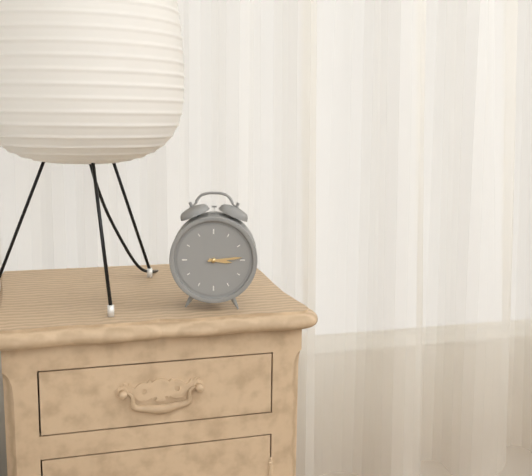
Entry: 3,14
